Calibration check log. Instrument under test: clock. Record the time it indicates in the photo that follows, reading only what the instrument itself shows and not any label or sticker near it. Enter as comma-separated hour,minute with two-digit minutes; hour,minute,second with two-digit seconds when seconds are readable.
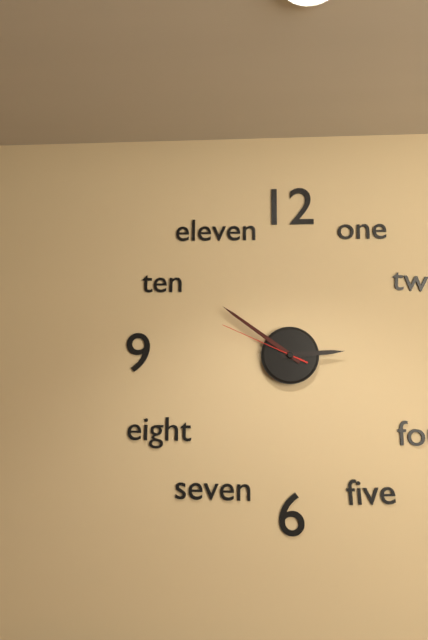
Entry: 2,51,49
